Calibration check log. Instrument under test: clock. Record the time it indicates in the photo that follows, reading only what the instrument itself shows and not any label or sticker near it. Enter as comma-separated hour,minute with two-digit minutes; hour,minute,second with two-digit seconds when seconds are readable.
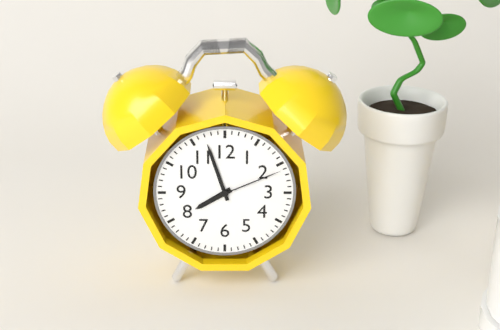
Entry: 7,57,11
